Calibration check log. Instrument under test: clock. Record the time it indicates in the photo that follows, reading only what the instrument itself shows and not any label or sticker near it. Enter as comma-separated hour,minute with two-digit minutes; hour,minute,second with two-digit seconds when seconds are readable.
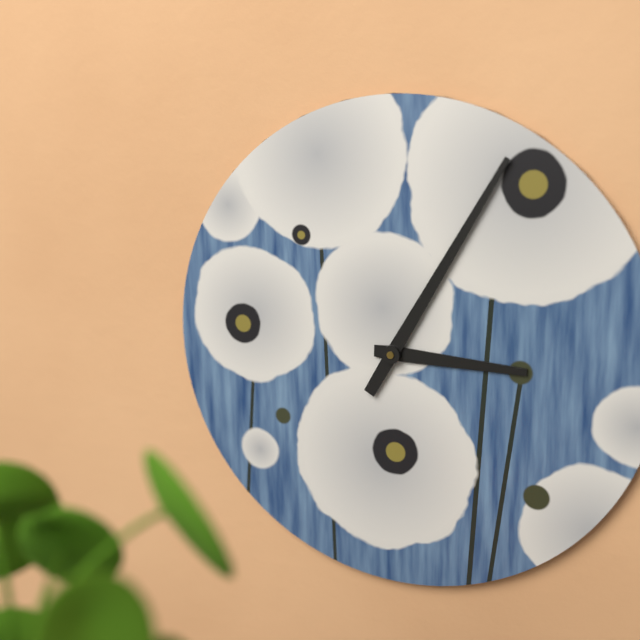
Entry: 3,05
